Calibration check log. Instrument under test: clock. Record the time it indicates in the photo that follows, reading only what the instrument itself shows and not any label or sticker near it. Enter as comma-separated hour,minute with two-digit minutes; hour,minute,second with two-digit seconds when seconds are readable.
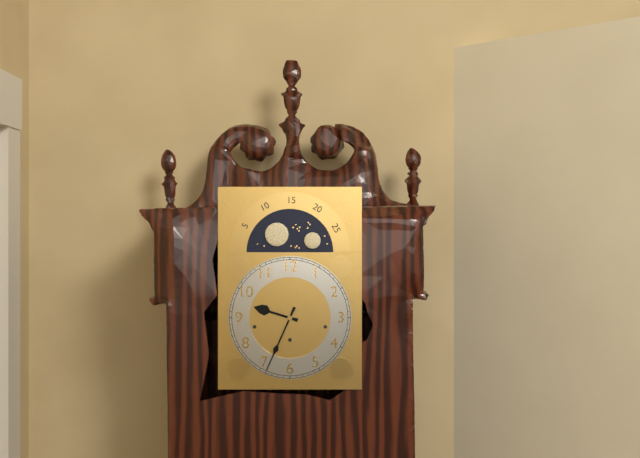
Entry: 9,34
